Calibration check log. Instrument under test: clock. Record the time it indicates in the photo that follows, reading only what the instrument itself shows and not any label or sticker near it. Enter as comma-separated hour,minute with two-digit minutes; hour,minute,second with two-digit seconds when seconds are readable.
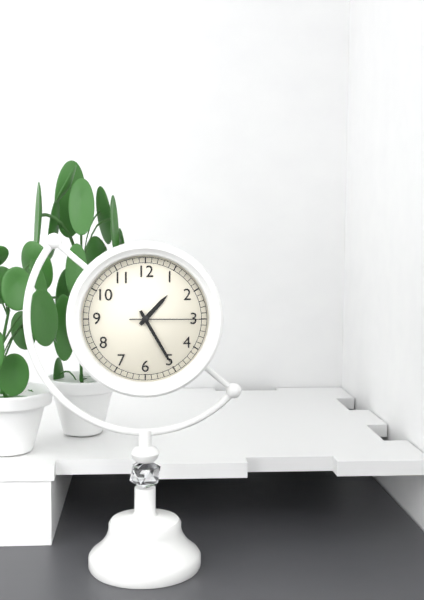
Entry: 1,25,15
